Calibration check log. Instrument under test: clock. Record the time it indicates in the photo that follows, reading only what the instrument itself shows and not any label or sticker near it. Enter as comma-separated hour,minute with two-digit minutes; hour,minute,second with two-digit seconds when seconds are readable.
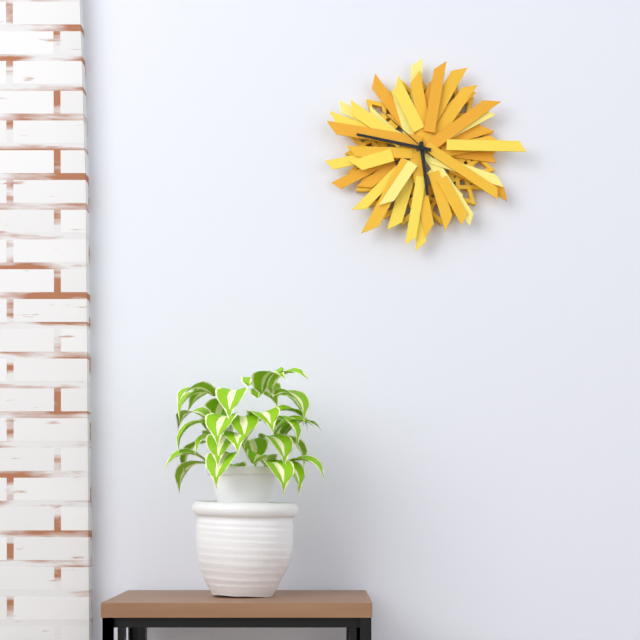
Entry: 5,47,52
